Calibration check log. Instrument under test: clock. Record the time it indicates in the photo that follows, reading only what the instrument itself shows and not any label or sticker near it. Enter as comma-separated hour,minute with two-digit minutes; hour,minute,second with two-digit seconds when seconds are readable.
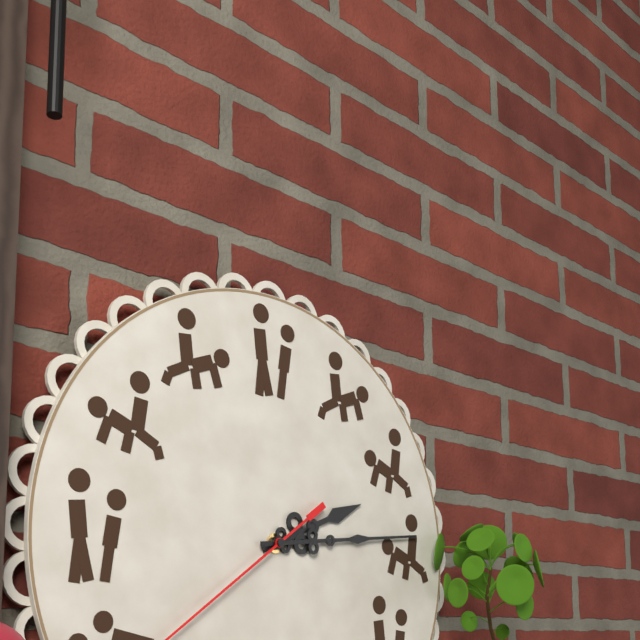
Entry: 2,14
